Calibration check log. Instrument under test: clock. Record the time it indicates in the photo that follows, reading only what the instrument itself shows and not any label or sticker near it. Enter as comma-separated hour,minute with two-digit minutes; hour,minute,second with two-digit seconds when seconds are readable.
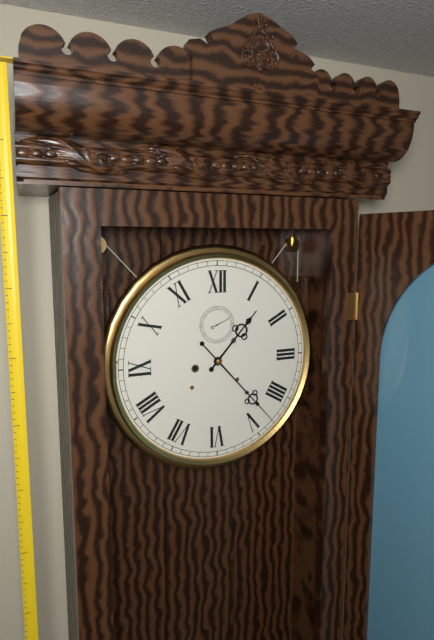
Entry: 1,23
